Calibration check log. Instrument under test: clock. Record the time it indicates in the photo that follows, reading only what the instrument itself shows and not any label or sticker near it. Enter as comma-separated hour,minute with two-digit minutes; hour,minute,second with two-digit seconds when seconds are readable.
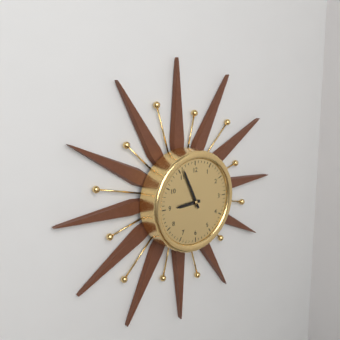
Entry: 8,56
